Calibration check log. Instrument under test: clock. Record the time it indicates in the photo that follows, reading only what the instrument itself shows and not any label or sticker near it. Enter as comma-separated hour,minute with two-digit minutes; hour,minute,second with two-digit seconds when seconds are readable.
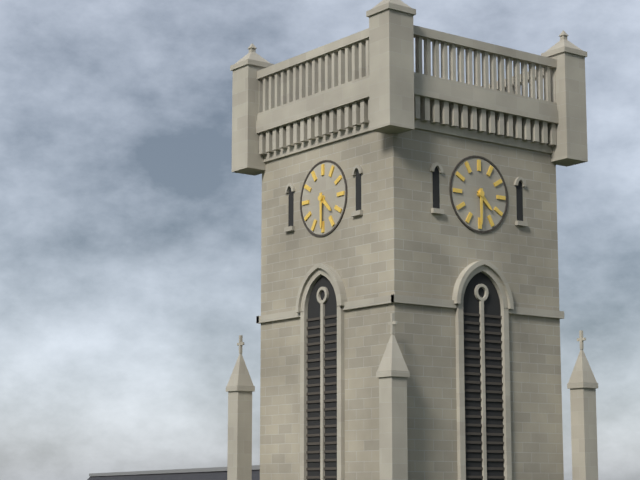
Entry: 4,30
